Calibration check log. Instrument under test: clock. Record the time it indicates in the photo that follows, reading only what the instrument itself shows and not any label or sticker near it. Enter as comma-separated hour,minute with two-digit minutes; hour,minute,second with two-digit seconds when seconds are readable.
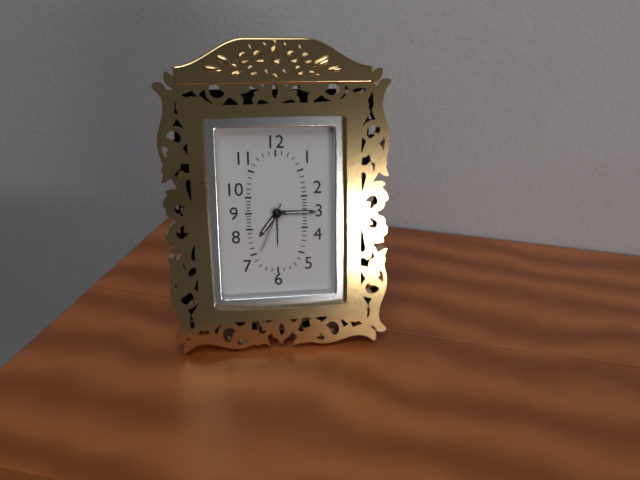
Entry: 7,15,34
